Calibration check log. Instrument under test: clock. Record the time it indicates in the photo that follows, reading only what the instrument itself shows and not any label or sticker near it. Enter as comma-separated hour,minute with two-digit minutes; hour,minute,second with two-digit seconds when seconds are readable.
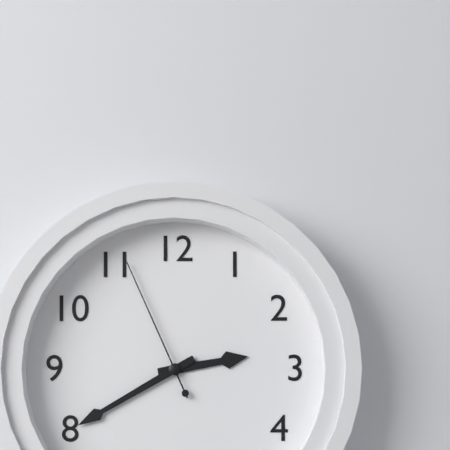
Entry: 2,40,56
